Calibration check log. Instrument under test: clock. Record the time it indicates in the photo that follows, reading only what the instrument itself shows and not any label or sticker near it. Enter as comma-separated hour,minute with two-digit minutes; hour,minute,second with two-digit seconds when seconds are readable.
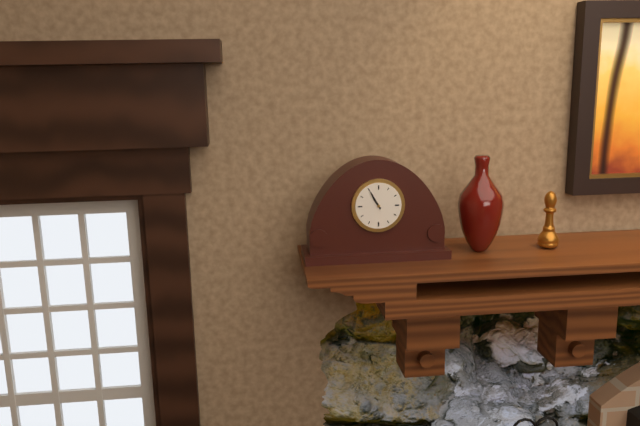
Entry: 10,55
